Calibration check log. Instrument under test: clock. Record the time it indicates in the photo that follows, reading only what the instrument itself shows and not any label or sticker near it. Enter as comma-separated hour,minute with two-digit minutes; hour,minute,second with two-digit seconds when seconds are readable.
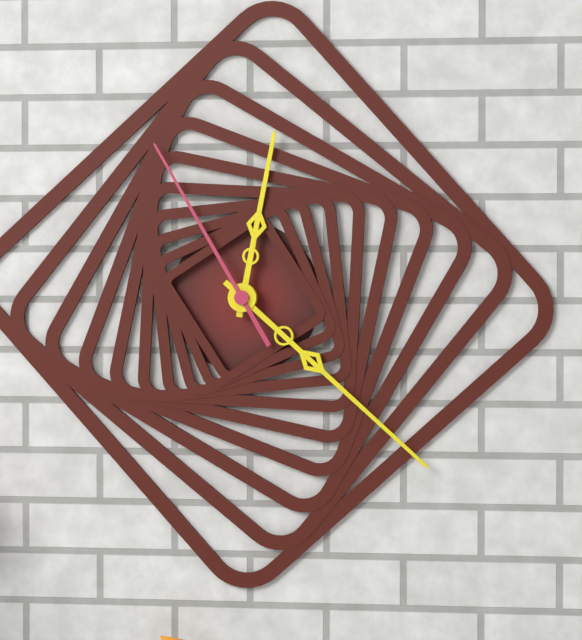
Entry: 12,22,55
